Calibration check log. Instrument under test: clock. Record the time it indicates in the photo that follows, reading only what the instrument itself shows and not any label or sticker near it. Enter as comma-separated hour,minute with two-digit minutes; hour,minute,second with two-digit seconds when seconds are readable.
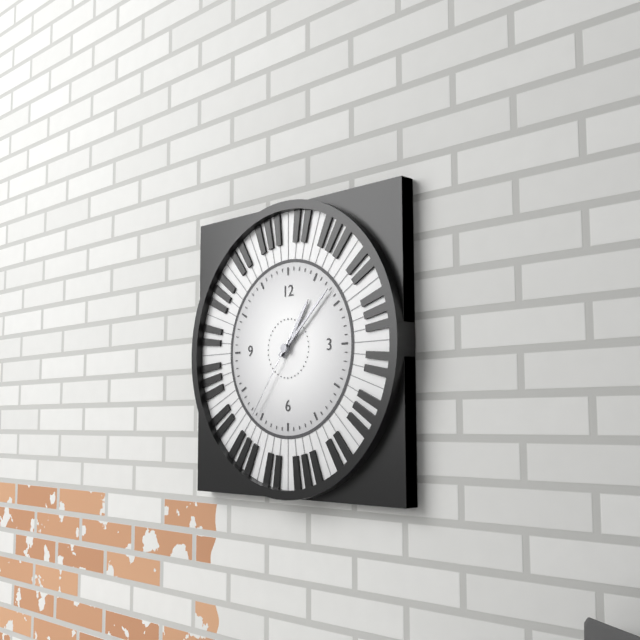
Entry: 1,08,36
